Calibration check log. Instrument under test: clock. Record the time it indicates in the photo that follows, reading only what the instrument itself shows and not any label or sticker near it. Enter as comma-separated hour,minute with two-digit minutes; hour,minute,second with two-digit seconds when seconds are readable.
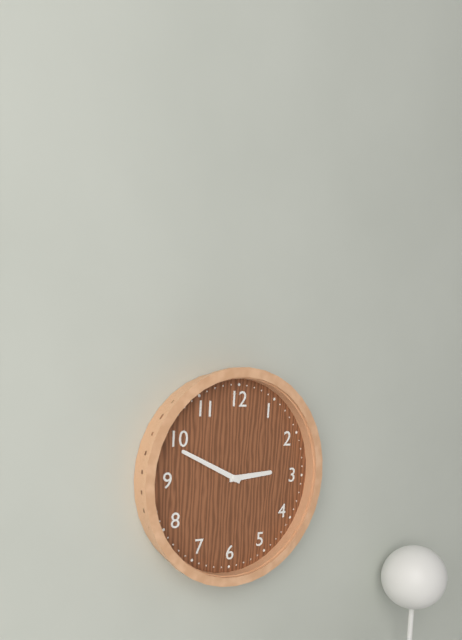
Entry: 2,49
